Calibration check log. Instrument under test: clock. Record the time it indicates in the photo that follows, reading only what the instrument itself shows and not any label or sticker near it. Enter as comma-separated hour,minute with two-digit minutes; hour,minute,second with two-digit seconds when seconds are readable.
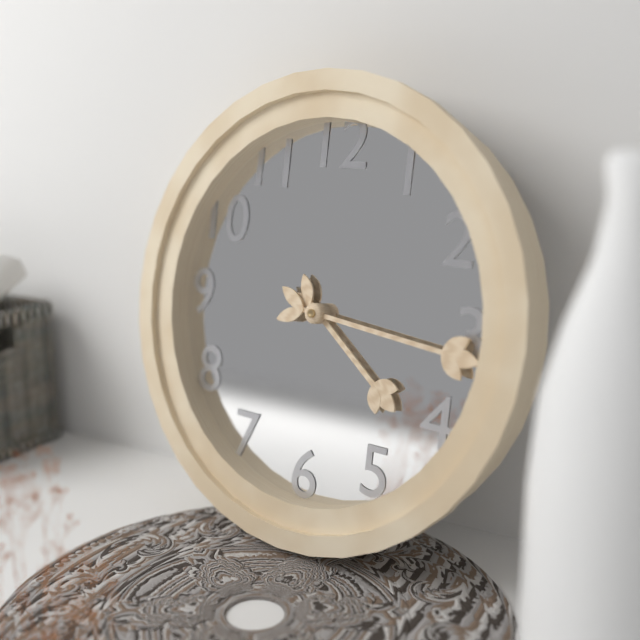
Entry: 4,16
